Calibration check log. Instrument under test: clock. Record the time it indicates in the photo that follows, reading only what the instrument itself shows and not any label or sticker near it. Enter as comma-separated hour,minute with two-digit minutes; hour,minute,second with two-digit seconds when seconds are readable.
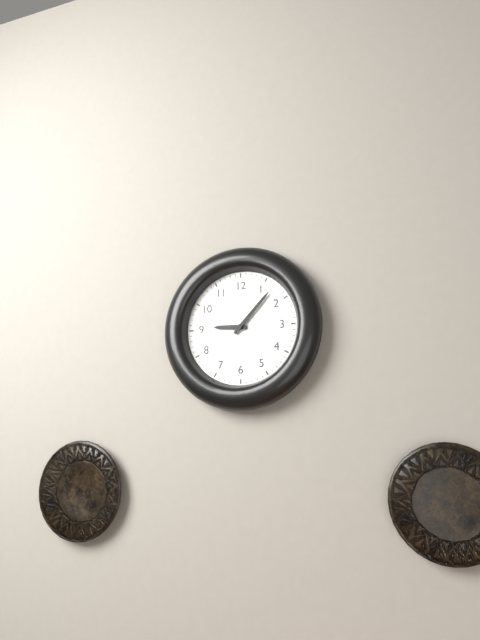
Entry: 9,07
